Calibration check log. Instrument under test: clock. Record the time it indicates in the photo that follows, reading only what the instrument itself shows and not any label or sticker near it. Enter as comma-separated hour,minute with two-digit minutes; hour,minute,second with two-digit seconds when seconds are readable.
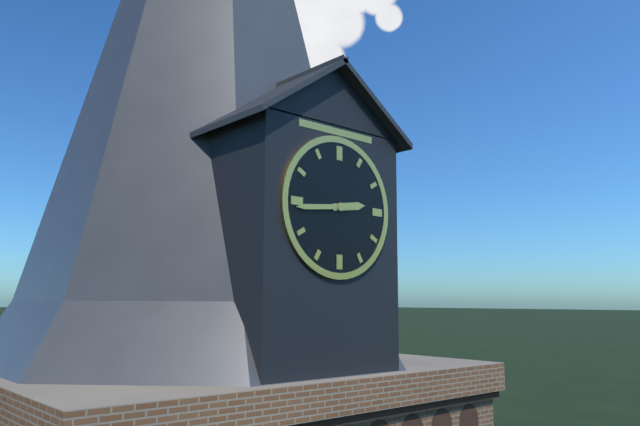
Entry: 2,44
